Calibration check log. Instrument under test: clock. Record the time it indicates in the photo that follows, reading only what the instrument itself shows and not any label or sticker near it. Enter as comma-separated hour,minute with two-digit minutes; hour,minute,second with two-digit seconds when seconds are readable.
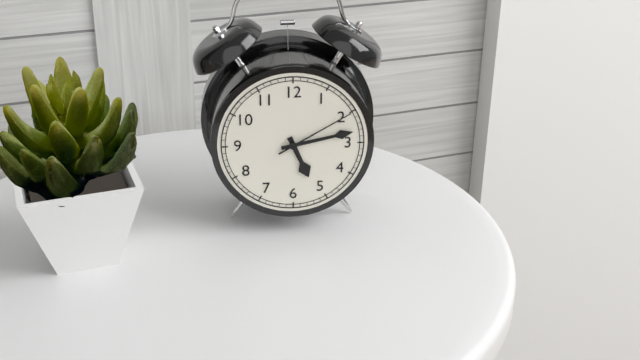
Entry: 5,13,10
